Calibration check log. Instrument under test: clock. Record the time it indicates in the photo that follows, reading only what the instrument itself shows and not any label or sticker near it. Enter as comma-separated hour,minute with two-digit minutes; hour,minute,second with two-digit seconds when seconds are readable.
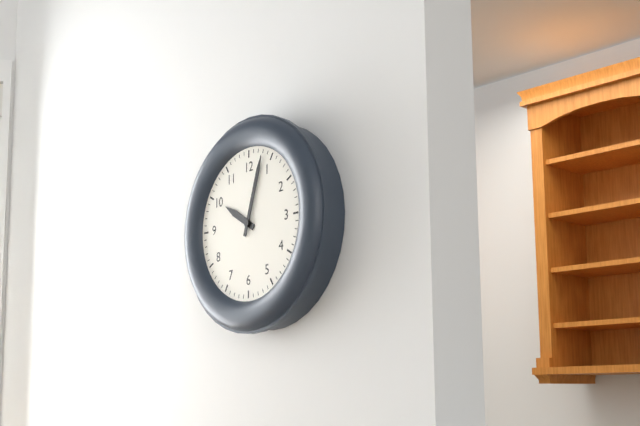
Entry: 10,03
